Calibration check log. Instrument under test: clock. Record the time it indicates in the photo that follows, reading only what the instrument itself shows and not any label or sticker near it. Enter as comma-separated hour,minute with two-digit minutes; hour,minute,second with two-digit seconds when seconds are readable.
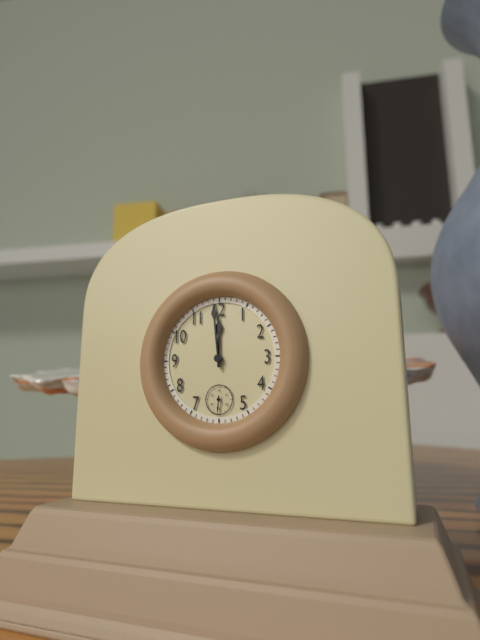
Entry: 11,59
